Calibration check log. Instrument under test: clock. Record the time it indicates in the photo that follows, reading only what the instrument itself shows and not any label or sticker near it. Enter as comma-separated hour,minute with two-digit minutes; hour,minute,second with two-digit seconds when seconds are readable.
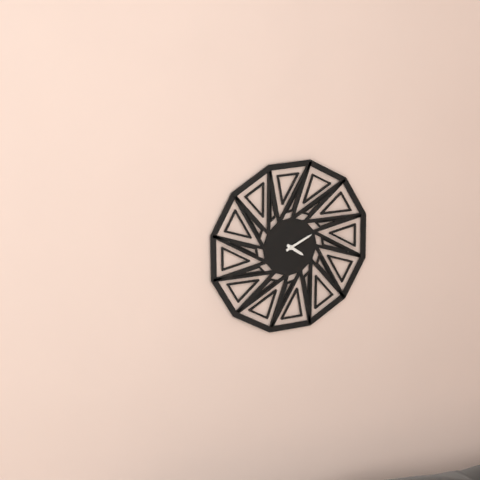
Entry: 4,11
